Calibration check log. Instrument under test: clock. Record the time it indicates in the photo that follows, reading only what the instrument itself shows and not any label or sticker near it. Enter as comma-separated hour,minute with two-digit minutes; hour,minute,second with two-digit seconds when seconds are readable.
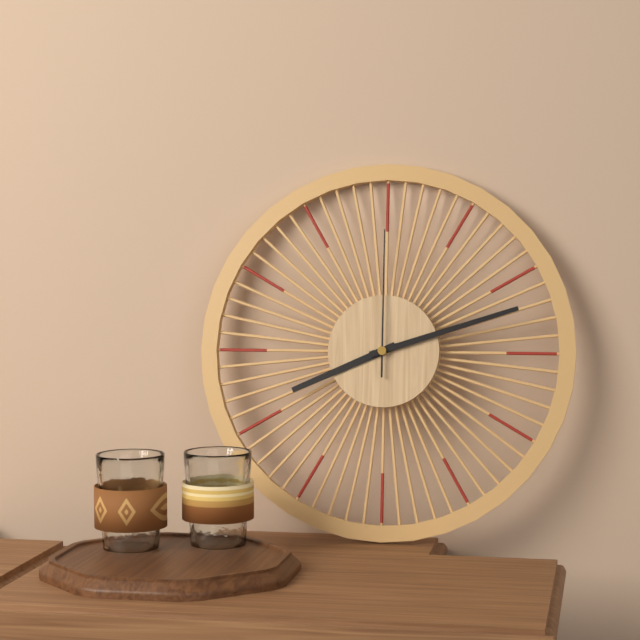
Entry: 8,12,00
